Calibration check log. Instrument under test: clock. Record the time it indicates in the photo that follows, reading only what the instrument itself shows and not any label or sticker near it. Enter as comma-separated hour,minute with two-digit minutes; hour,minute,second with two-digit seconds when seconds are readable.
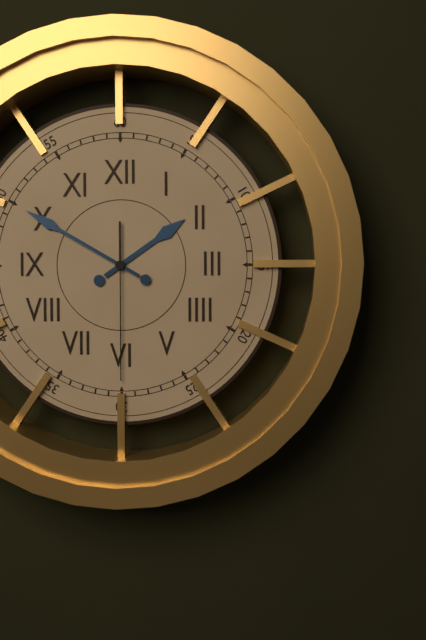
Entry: 1,50,30
